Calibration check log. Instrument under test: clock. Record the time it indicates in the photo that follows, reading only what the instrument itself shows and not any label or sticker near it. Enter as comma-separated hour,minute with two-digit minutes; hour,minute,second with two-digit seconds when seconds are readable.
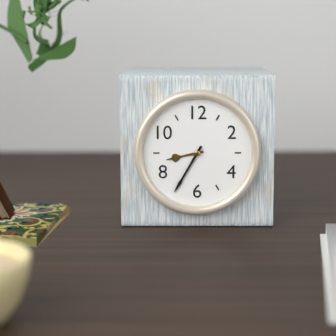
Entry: 8,35
